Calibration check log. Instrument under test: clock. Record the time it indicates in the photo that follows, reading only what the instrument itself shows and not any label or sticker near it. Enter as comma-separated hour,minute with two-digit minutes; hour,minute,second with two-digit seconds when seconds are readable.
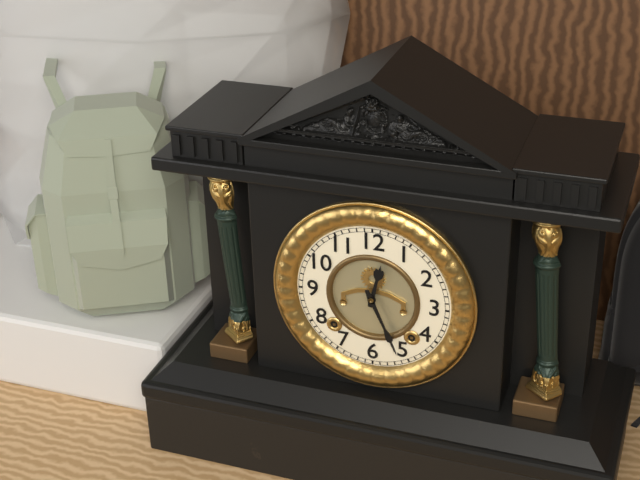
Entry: 12,26
